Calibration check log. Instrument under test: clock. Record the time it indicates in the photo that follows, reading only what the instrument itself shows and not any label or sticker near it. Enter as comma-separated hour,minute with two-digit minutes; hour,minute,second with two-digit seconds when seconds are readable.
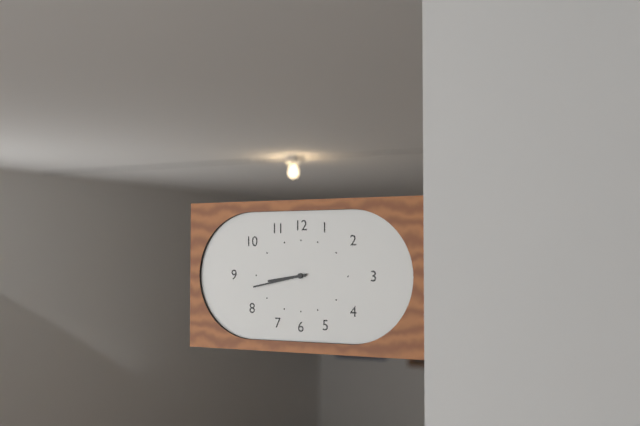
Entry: 8,43
